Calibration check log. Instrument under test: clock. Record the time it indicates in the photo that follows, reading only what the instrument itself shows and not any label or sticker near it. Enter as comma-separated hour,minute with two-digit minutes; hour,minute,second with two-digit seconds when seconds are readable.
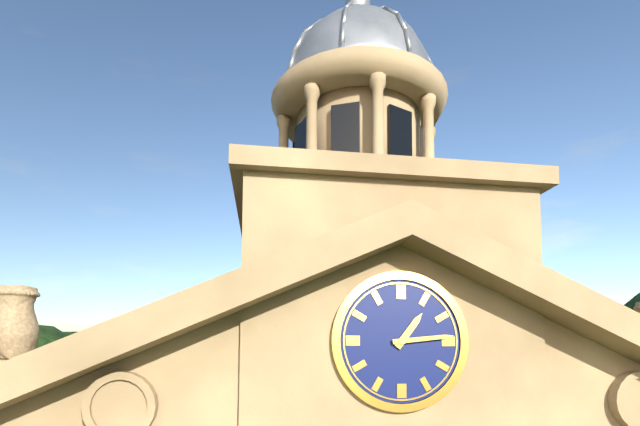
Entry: 1,14
